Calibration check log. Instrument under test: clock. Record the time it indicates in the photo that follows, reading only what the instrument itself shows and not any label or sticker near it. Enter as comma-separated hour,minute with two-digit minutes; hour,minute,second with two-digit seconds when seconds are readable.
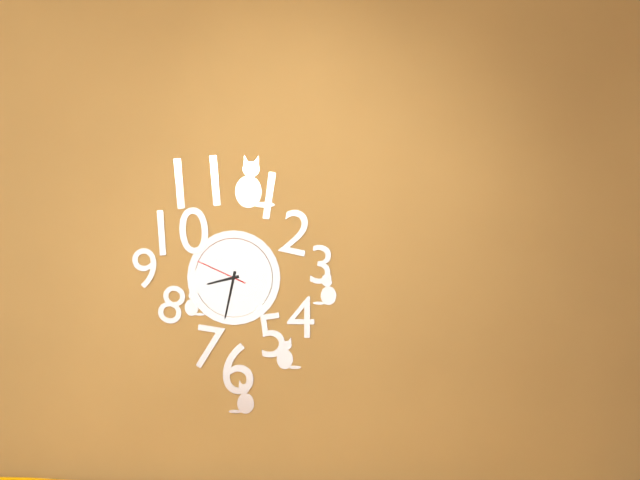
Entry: 8,32,49
